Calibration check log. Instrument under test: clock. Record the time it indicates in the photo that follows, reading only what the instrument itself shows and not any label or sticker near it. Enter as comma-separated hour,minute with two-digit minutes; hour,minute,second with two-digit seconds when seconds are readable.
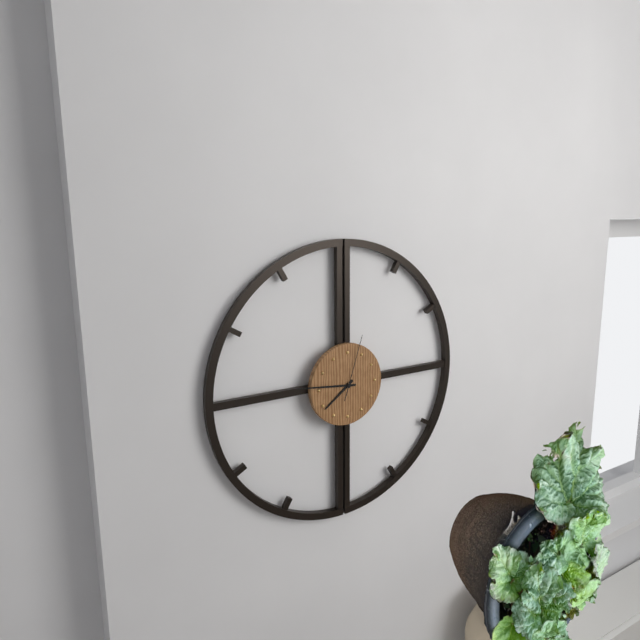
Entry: 7,46,03
